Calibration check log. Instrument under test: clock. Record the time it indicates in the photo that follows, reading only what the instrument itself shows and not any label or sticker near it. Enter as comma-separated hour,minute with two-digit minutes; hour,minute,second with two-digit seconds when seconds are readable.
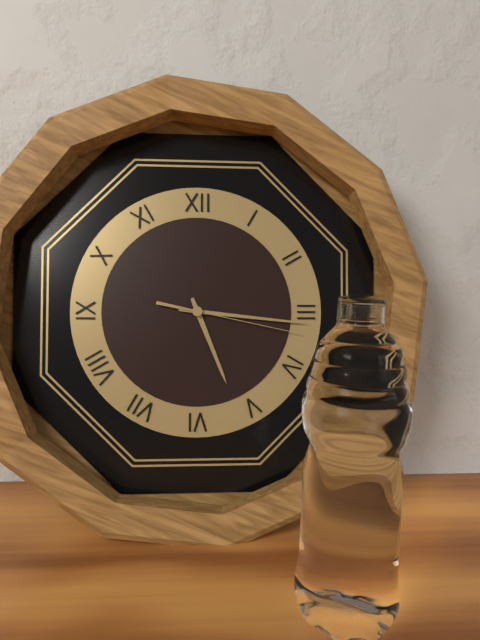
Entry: 5,16,17
